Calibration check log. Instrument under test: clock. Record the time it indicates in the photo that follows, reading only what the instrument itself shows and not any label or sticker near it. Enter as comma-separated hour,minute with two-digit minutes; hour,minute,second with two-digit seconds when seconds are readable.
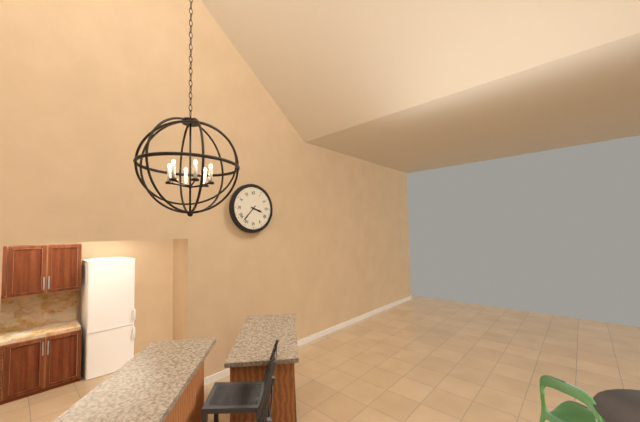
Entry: 3,37
